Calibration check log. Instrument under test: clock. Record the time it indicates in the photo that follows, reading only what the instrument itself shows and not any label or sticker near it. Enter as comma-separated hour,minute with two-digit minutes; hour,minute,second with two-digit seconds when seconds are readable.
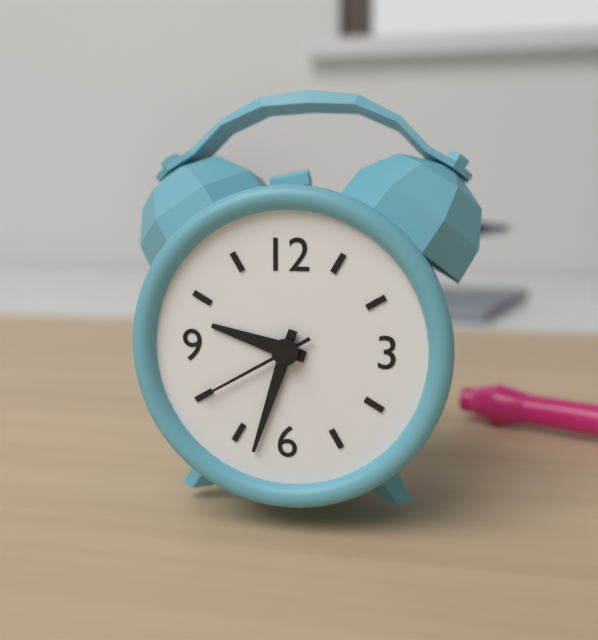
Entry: 9,33,40
